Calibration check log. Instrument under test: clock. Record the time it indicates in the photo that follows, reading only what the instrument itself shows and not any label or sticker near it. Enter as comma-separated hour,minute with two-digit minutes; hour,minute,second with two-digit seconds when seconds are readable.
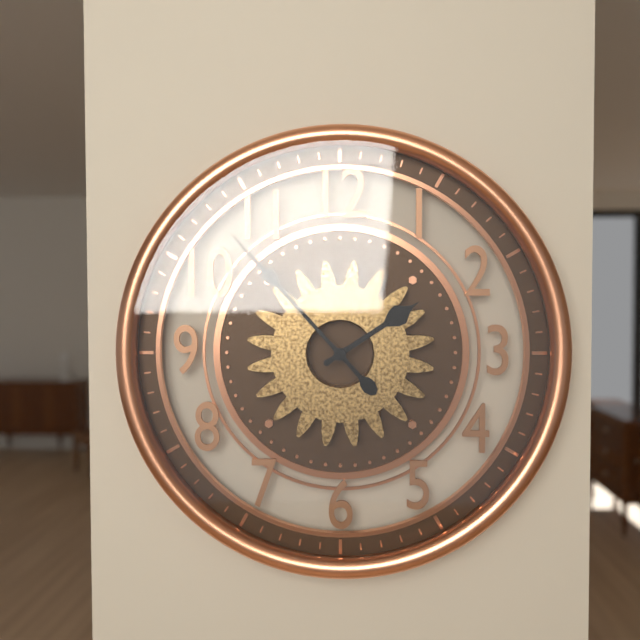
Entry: 1,53
